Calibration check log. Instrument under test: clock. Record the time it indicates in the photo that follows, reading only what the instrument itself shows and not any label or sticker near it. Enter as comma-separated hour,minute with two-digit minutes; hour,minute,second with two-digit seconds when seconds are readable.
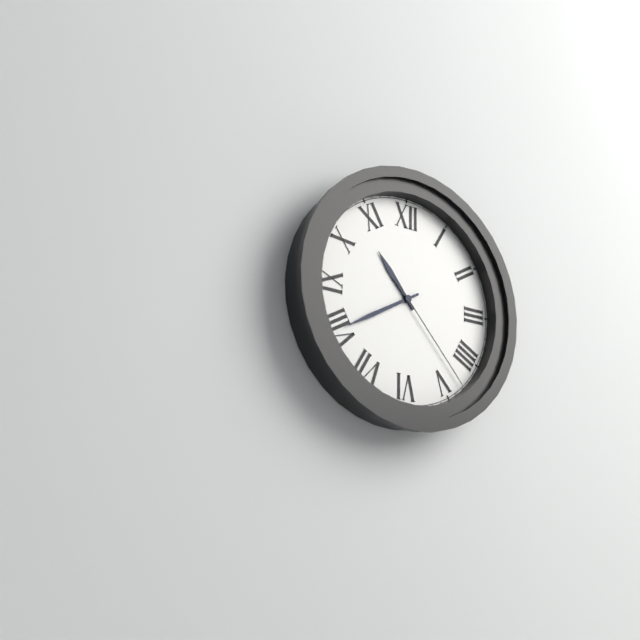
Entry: 10,40,23
